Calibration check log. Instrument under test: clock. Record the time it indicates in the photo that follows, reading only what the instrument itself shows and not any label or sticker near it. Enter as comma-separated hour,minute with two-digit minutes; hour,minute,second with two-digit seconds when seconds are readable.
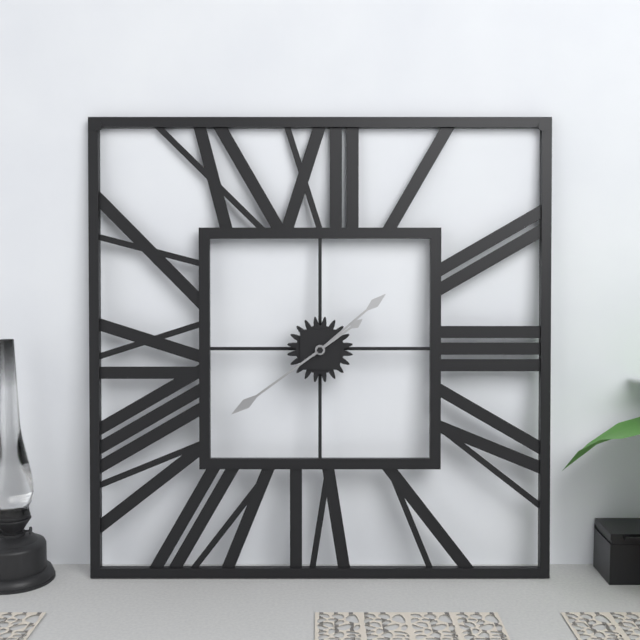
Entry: 1,39
